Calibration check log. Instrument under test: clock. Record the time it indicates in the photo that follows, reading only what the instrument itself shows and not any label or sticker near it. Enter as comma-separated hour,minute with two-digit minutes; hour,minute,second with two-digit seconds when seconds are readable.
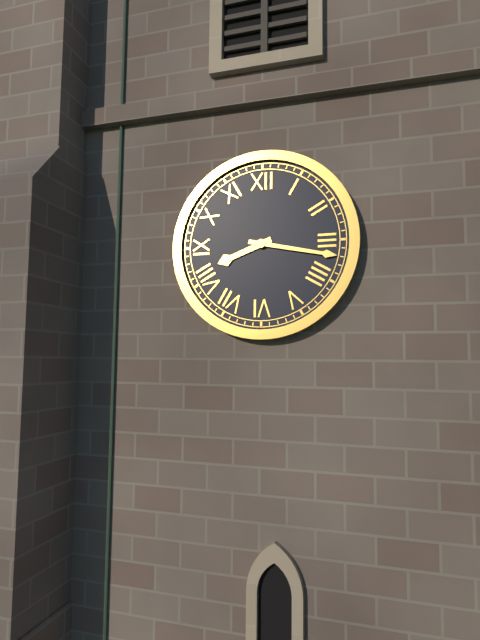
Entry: 8,17
